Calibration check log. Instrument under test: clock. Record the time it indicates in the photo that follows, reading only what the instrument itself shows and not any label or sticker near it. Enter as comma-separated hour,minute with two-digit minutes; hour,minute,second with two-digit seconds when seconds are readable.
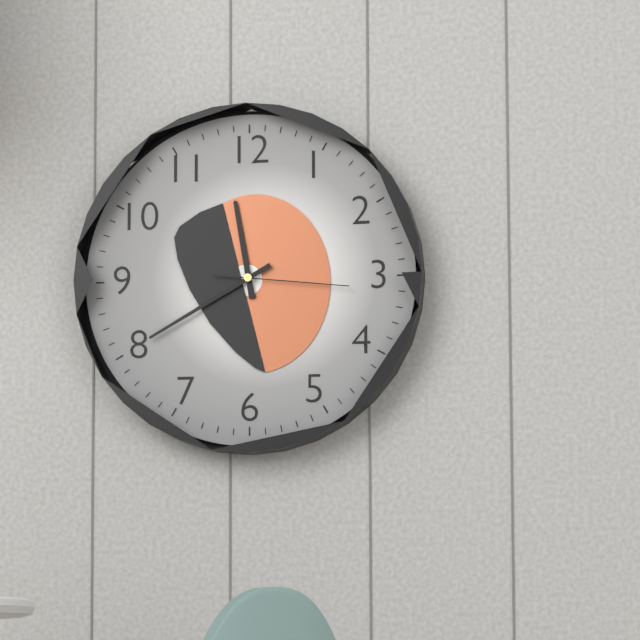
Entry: 11,40,16
